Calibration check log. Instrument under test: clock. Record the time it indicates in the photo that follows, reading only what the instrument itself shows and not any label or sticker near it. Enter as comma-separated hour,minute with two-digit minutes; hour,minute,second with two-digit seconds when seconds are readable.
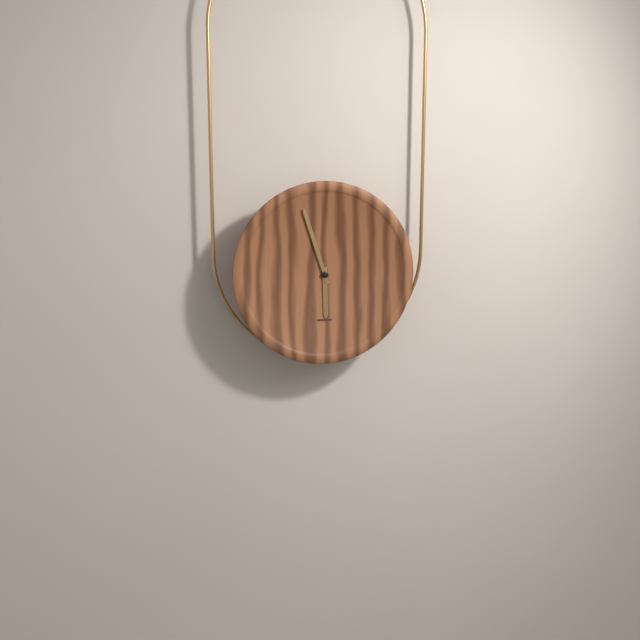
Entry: 5,57
